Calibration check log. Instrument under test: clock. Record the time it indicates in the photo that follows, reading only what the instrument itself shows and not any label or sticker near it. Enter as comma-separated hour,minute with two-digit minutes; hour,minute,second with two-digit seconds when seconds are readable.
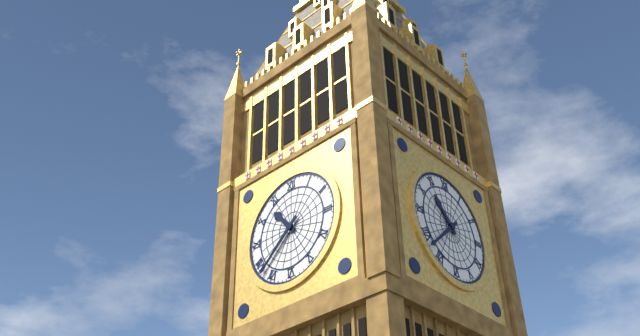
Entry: 10,38
